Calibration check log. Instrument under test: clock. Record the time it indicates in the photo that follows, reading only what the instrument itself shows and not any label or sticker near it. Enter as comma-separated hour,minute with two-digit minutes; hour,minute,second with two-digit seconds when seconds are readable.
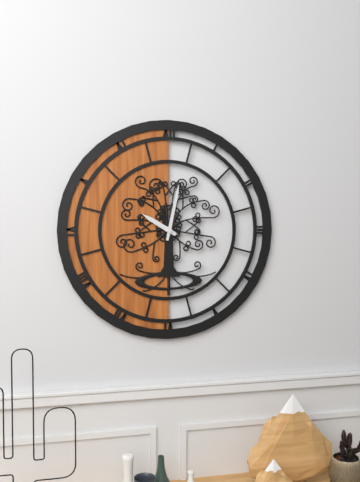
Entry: 10,02
